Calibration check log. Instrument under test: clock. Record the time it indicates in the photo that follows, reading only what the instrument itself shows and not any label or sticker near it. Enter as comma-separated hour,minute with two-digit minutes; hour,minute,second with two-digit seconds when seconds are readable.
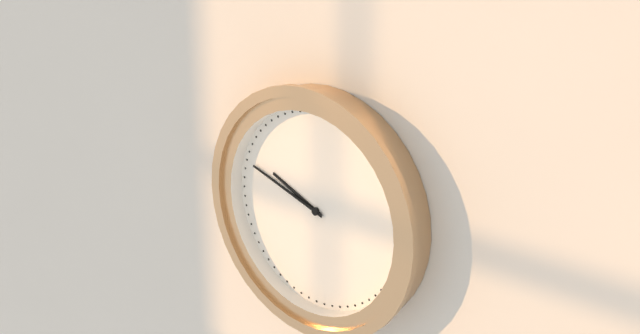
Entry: 9,48
